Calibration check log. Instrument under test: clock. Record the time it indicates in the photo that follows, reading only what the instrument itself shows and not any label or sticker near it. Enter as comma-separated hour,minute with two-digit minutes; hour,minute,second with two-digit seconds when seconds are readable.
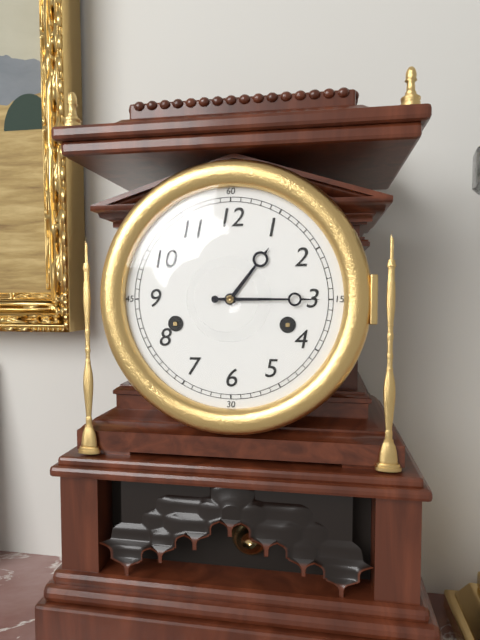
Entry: 1,15
